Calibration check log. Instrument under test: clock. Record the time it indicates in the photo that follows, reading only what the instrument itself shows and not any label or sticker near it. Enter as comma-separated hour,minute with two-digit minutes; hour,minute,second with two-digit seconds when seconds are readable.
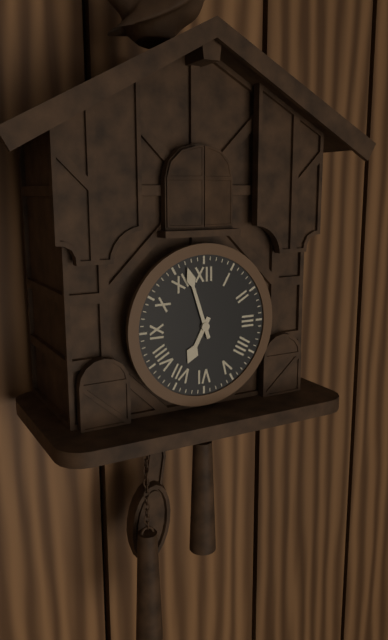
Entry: 6,57
